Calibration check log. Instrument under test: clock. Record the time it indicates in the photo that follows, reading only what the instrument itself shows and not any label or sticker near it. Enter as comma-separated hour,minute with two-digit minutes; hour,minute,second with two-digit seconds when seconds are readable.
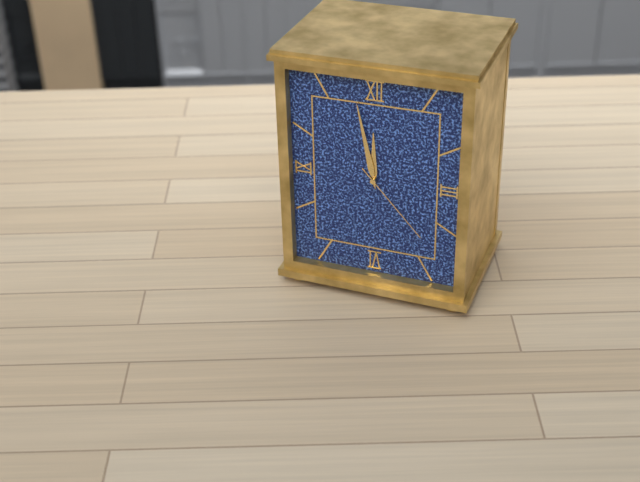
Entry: 11,58,23
